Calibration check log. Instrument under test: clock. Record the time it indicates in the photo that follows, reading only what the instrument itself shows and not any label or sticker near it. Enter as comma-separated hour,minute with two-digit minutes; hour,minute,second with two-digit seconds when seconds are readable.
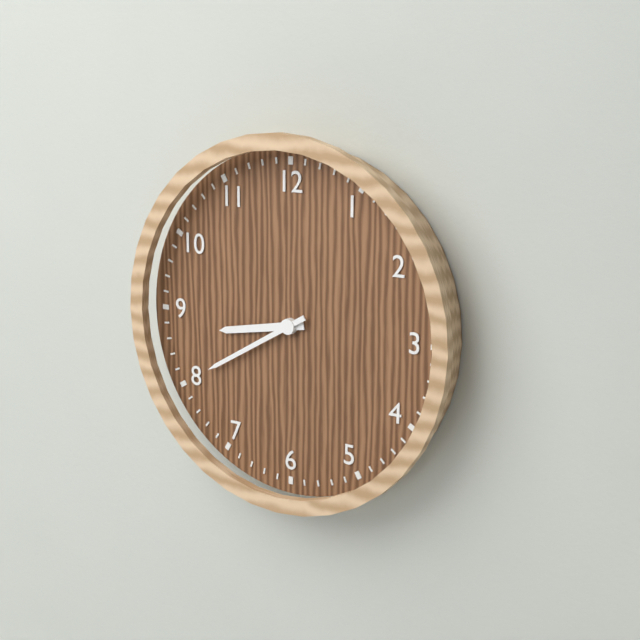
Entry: 8,40
